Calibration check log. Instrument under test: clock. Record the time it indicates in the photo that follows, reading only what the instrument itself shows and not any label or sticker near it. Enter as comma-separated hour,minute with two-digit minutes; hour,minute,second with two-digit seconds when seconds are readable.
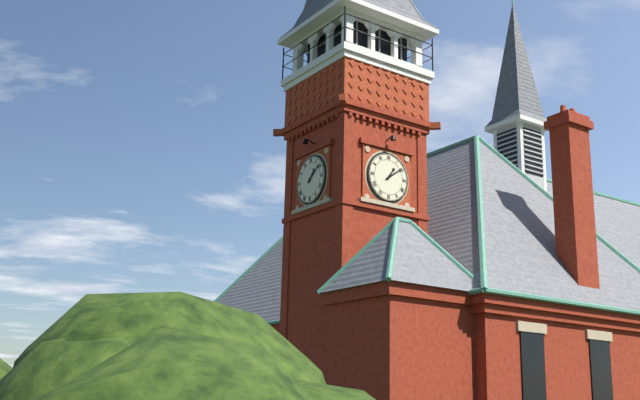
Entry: 1,09
